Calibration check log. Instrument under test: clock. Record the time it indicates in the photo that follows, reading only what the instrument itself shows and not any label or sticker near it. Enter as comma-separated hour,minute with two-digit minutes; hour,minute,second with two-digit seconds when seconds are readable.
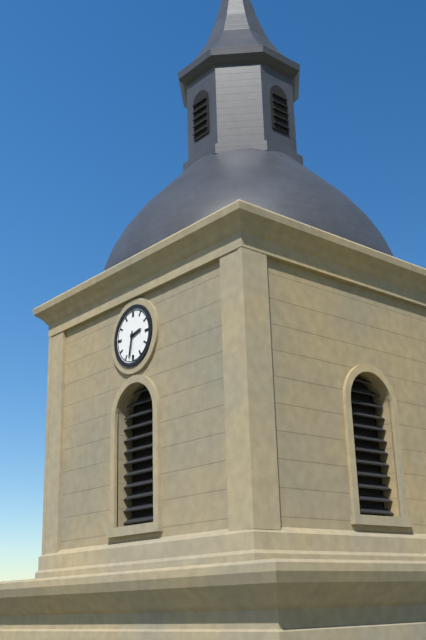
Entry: 2,32
